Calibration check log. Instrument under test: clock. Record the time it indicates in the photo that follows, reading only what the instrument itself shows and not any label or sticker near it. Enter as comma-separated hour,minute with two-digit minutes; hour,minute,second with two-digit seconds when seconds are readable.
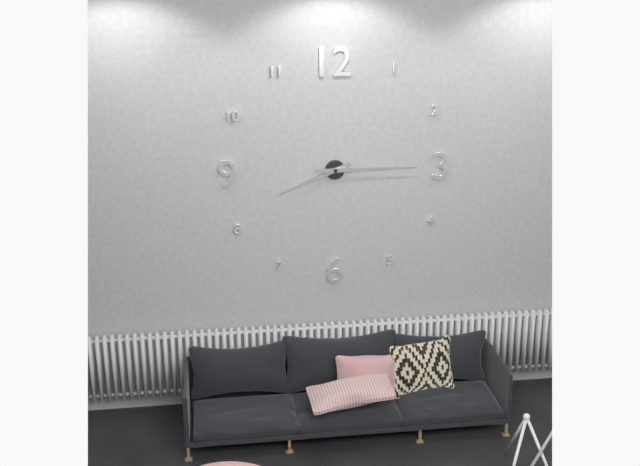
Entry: 8,15
